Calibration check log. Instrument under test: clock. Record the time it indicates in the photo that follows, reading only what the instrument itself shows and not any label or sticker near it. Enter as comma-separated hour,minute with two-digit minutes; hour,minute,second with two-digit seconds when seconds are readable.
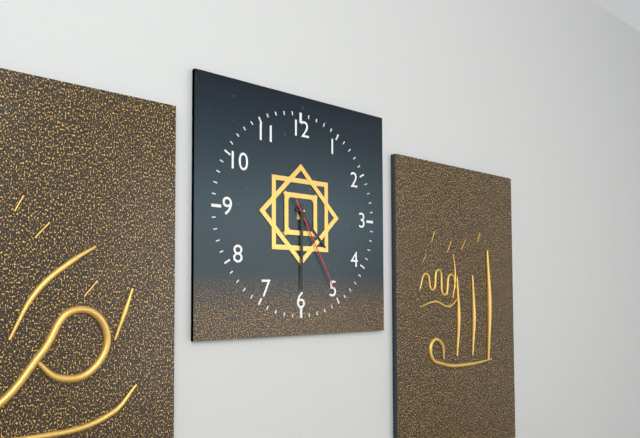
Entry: 4,30,25
